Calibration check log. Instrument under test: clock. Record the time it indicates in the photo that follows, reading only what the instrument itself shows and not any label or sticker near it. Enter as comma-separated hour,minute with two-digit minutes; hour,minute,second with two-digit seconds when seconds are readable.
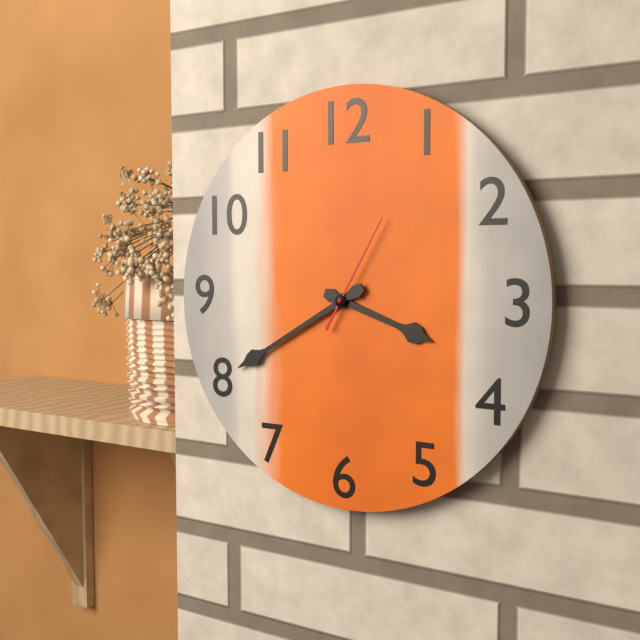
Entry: 3,40,05
